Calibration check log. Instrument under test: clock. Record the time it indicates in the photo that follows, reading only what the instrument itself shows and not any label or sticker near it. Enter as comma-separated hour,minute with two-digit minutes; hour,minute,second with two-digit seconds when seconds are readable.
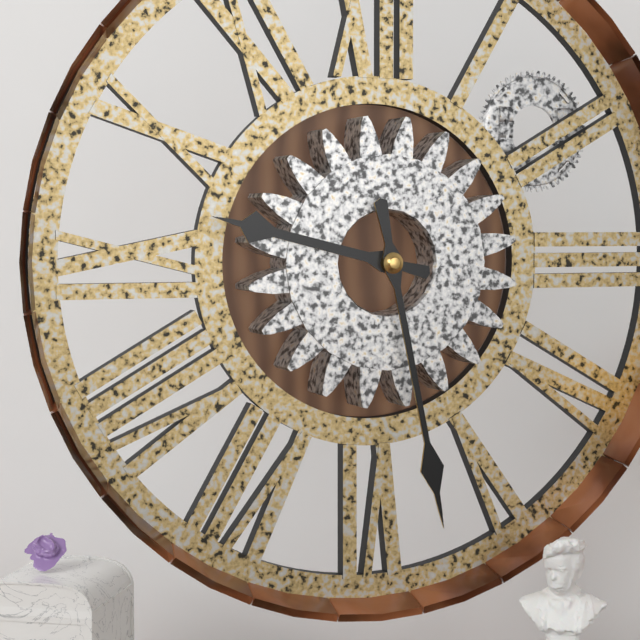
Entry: 9,28
